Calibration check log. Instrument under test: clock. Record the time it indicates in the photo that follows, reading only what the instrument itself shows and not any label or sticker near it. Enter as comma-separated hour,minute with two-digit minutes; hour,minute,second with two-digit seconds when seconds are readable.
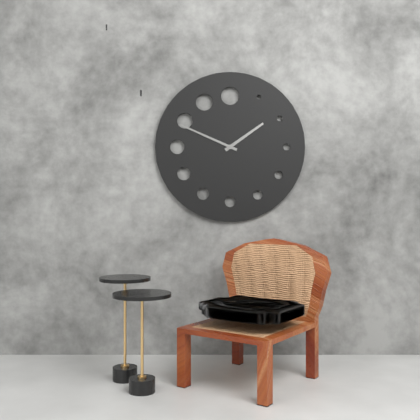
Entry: 1,49
